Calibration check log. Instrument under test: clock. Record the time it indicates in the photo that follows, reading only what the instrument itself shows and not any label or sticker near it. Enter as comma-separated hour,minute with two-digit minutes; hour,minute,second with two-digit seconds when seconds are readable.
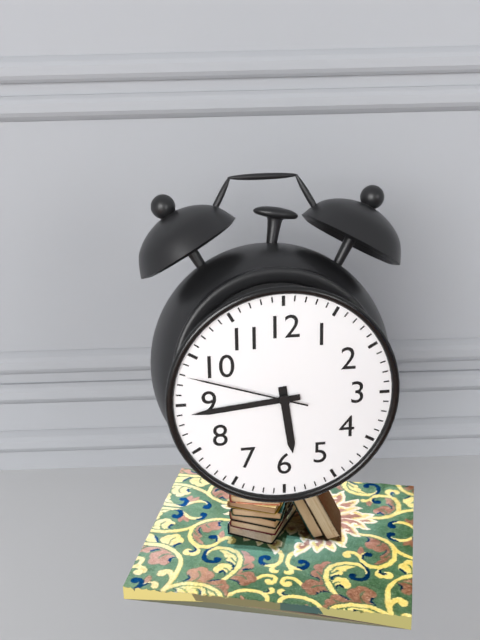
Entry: 5,44,48
